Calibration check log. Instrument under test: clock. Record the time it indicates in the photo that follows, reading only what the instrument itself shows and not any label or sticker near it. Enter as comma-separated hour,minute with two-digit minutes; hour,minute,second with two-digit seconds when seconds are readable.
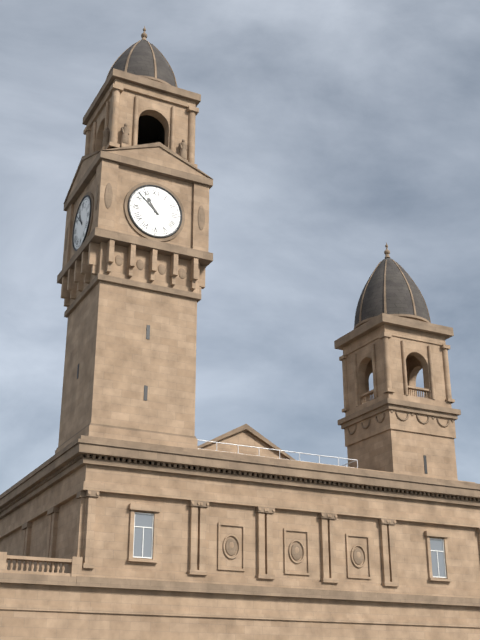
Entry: 10,52
